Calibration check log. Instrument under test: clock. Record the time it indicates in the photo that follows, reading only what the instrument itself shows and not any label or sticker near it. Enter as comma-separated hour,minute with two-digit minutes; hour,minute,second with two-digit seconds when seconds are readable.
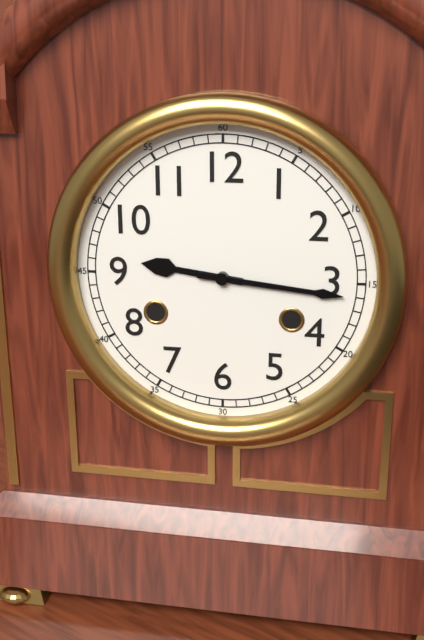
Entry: 9,16
